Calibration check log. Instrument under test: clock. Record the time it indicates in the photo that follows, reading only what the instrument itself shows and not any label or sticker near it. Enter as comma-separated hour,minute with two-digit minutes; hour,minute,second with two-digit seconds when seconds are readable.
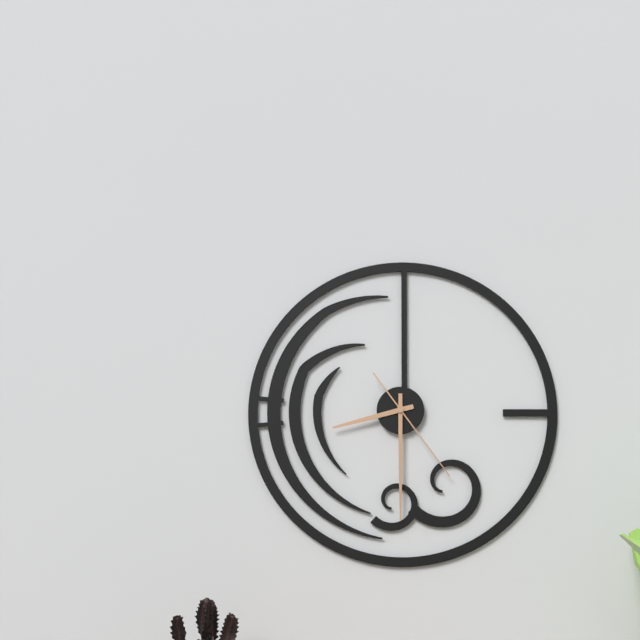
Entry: 8,30,24
